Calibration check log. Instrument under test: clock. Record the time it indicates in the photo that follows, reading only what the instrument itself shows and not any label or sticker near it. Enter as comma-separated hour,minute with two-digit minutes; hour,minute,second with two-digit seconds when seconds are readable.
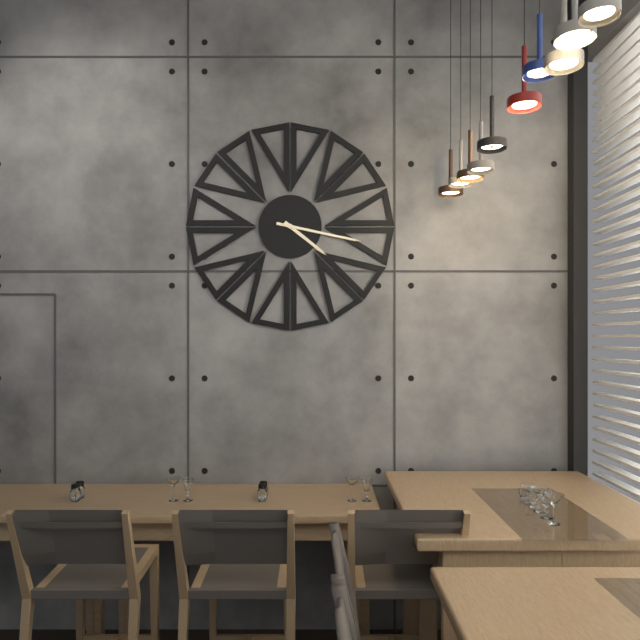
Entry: 4,17
